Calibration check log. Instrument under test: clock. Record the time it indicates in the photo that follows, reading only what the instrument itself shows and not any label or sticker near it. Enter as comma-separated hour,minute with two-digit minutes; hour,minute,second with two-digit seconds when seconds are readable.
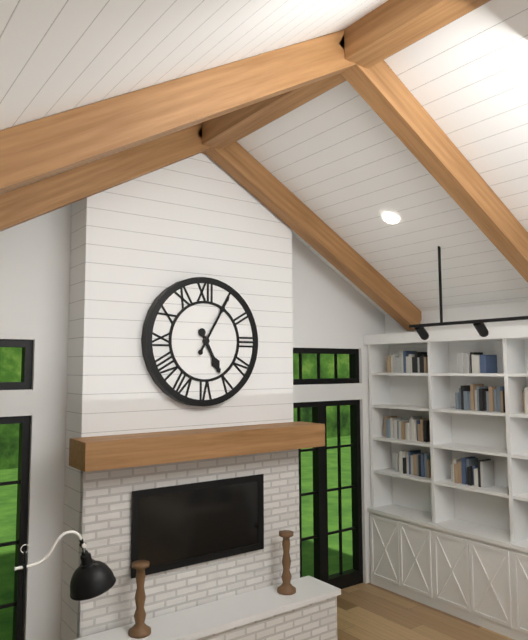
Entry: 5,05
